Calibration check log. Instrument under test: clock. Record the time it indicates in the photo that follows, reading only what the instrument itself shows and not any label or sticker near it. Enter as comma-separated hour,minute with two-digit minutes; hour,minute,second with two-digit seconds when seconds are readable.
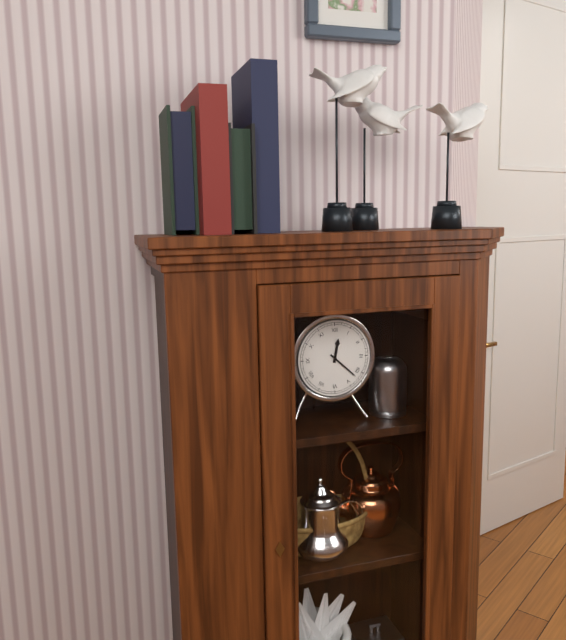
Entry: 12,22
